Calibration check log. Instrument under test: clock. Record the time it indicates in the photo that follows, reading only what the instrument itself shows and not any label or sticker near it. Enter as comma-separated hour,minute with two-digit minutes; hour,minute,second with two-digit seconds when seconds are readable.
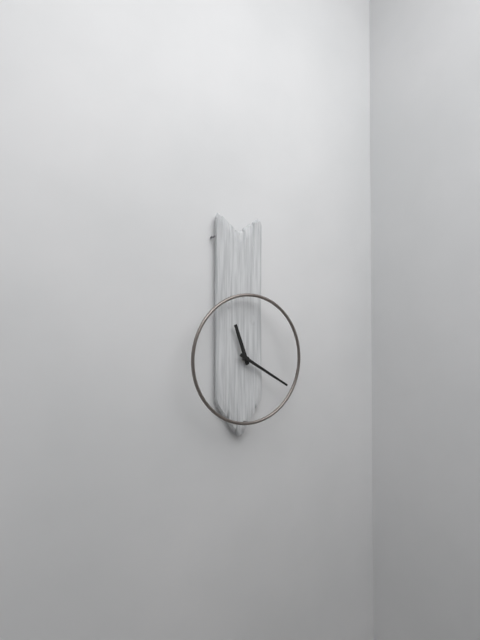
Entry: 11,20
